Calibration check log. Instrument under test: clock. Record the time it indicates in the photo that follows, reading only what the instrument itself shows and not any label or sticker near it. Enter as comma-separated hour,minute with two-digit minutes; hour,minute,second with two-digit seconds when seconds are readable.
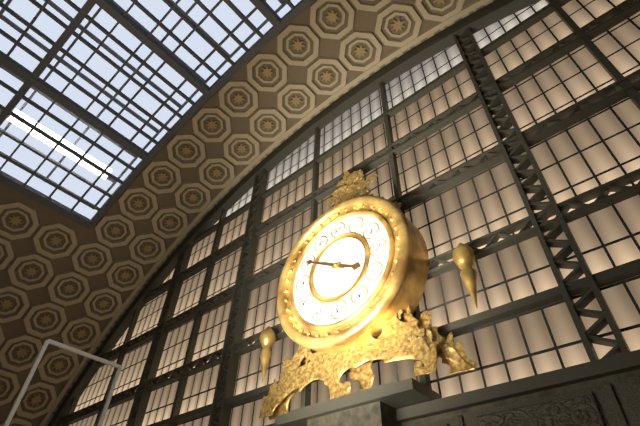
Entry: 3,50
